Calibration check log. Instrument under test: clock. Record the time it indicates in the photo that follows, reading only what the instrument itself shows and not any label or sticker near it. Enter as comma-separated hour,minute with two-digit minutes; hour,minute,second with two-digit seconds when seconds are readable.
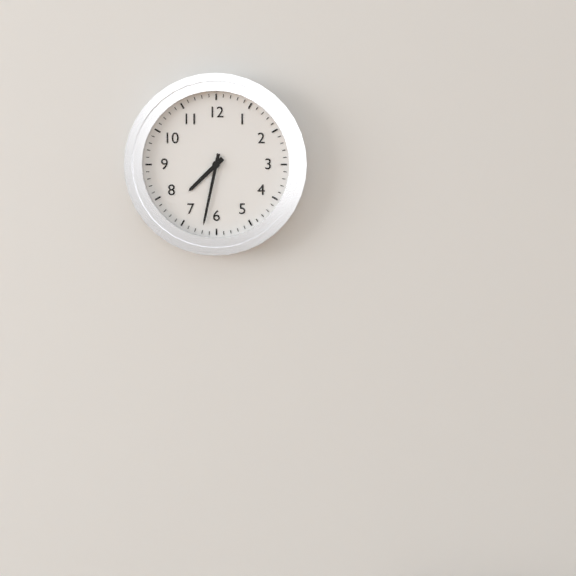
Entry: 7,32
